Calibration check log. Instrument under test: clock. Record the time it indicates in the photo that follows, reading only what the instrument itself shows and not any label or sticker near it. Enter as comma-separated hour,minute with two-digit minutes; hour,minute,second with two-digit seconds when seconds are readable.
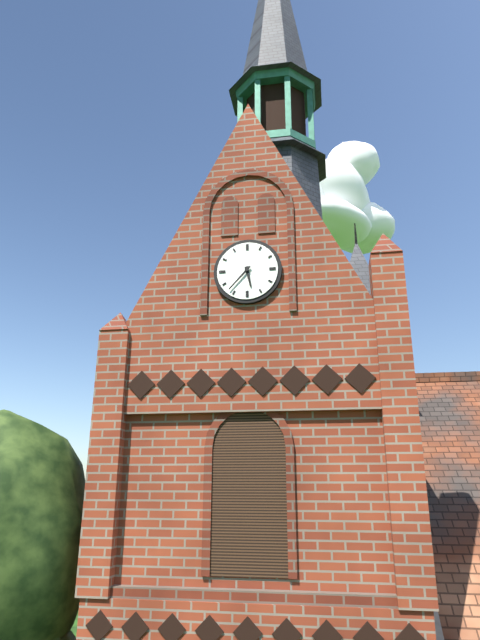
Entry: 5,37
